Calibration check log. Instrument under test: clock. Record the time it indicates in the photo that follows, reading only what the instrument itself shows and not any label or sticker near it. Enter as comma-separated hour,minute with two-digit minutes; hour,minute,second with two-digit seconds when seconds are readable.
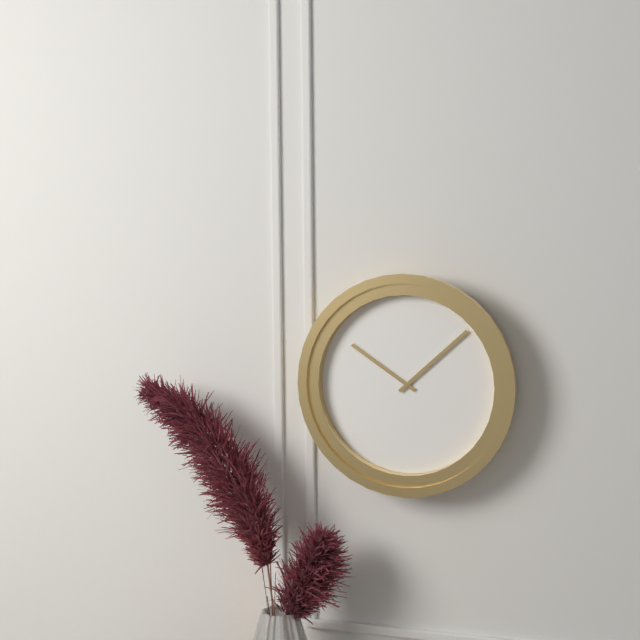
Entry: 10,08
